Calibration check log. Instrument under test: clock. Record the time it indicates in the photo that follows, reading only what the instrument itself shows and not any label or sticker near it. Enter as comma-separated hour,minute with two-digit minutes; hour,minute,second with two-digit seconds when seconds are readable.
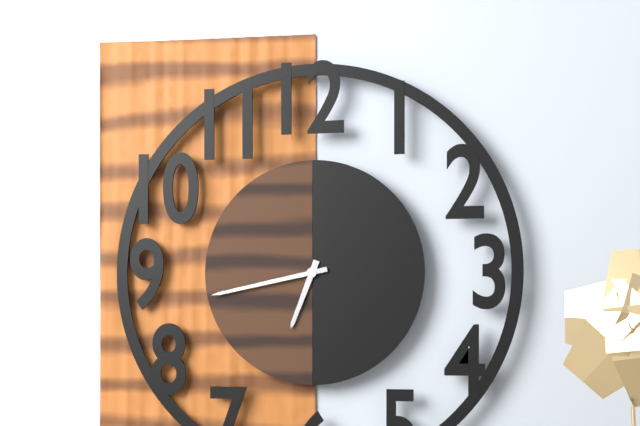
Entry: 6,43
